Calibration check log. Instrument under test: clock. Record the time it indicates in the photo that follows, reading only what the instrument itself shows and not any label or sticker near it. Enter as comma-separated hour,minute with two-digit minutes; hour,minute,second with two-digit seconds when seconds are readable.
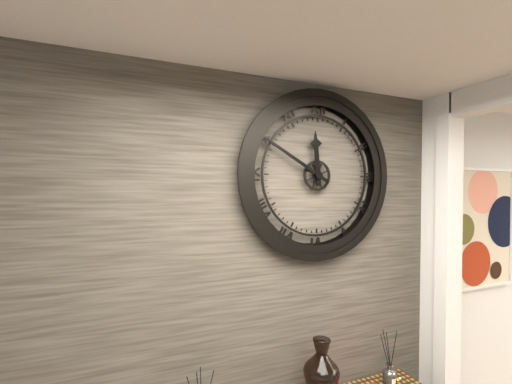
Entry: 11,50
